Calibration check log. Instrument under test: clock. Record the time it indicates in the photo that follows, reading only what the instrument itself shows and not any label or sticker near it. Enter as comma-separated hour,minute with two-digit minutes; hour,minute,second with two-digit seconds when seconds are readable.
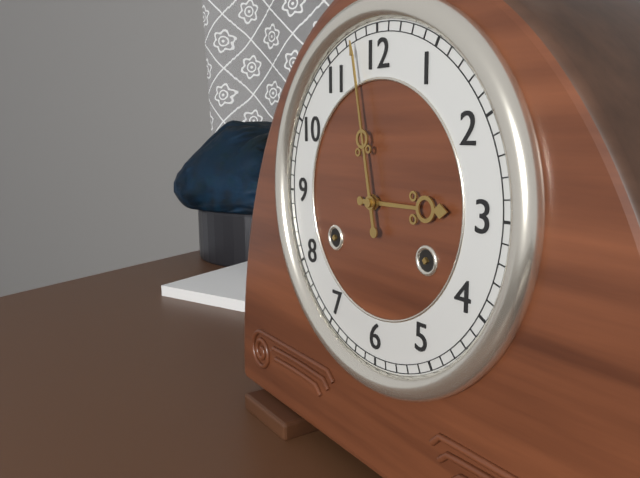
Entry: 2,58
